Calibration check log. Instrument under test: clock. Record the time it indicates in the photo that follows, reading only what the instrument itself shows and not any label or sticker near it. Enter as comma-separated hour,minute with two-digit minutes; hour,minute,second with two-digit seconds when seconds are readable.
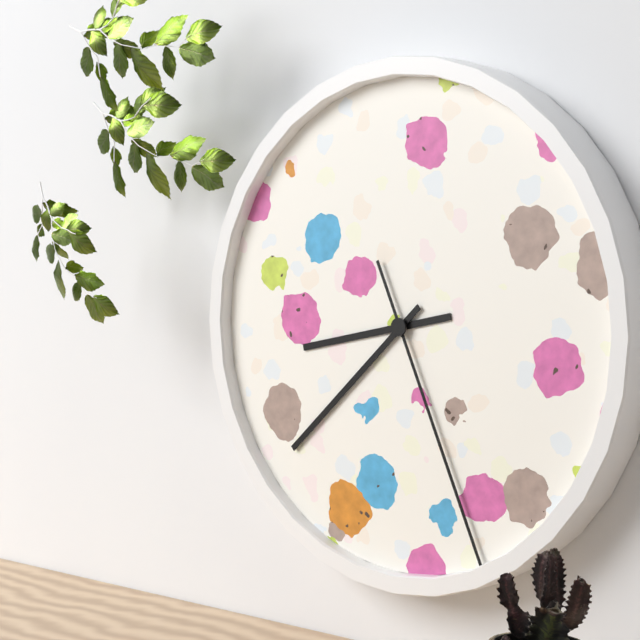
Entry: 8,38,26
